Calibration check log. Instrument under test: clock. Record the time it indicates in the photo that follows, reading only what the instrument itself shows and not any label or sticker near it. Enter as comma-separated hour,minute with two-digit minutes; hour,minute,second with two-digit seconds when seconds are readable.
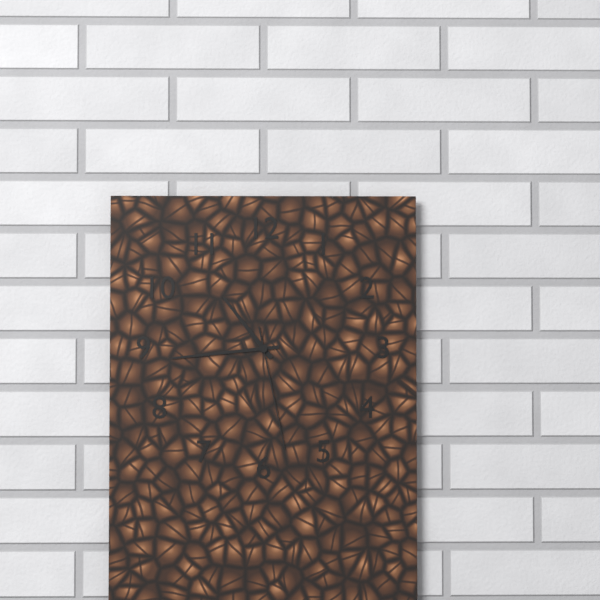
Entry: 10,44,28
